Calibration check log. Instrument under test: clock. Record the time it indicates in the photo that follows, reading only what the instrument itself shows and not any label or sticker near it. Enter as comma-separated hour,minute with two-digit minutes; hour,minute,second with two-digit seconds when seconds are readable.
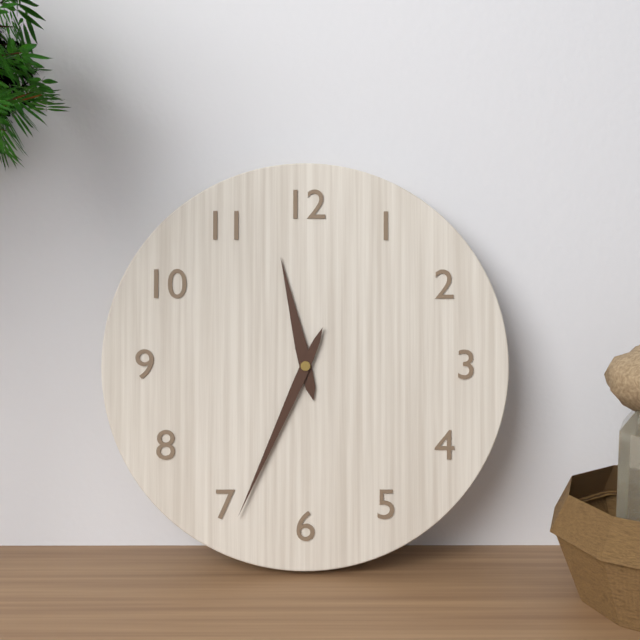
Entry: 11,34
